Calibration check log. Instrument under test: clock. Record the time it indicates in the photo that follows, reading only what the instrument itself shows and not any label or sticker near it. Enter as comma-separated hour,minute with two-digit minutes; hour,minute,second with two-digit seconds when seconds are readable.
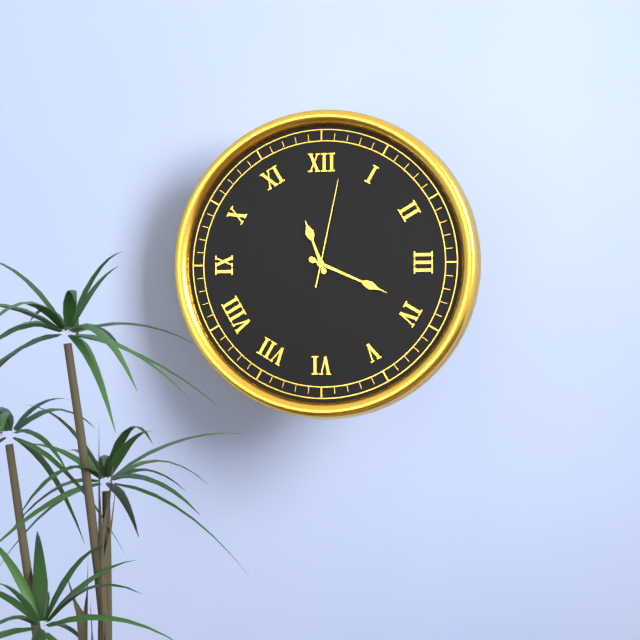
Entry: 11,19,02
